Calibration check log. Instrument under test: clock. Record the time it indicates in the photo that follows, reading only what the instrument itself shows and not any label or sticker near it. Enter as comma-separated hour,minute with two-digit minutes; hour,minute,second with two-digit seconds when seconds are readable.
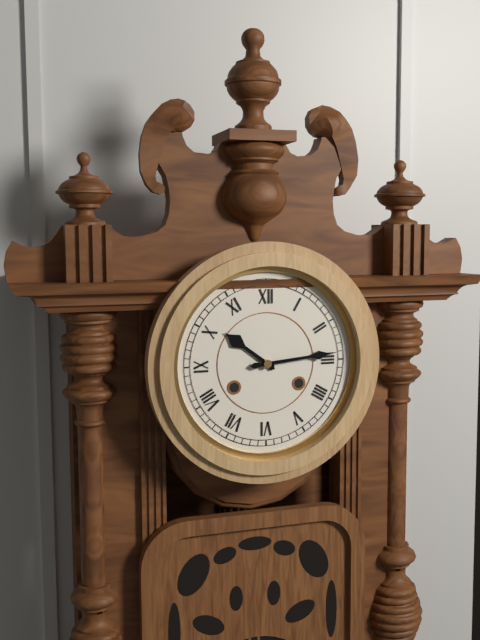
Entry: 10,14
